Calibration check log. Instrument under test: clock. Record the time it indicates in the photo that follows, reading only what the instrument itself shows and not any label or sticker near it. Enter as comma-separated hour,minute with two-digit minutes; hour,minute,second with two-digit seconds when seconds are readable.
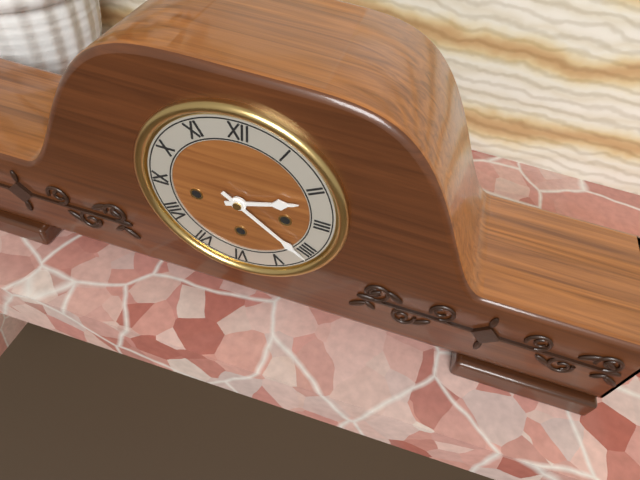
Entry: 2,21
